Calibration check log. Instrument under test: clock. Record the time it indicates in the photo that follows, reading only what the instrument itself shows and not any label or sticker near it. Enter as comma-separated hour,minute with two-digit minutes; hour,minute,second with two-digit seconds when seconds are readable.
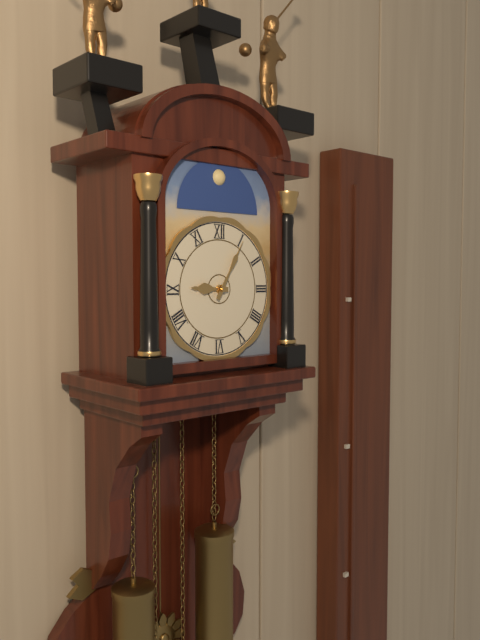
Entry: 9,05
